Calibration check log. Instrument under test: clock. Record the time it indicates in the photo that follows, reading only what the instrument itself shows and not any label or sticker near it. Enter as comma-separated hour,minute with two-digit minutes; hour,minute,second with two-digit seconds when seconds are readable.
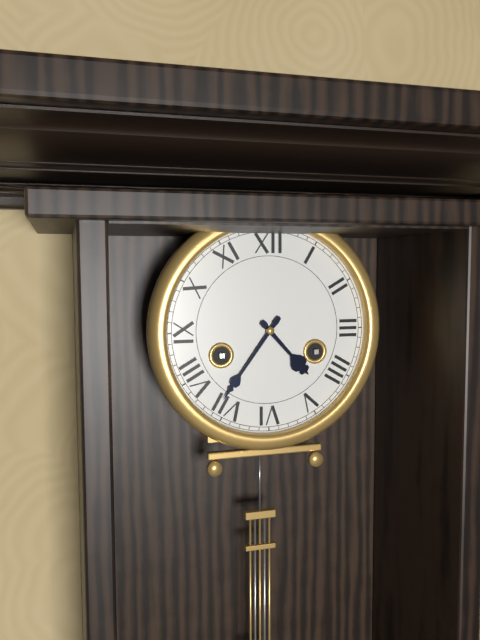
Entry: 4,36
